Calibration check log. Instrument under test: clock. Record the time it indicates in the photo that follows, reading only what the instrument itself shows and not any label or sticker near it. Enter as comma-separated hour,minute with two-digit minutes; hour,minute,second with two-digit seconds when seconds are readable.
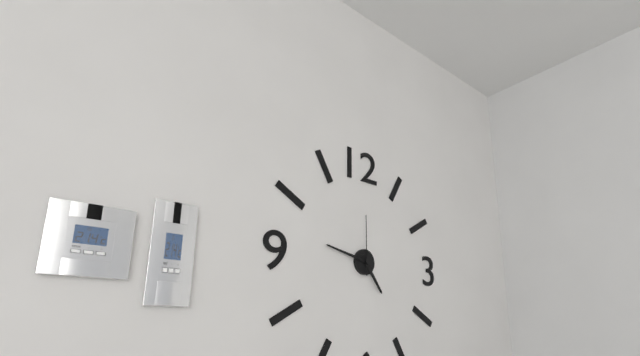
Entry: 4,47,00
